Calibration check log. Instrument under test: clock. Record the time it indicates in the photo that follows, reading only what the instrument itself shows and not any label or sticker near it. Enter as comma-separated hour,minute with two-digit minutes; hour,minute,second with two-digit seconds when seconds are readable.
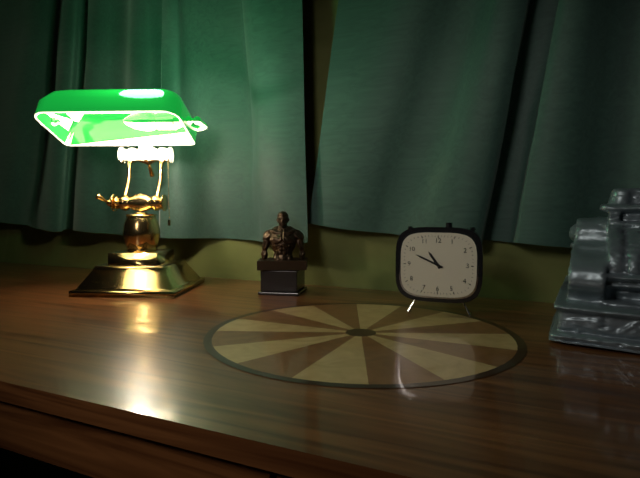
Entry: 10,49
